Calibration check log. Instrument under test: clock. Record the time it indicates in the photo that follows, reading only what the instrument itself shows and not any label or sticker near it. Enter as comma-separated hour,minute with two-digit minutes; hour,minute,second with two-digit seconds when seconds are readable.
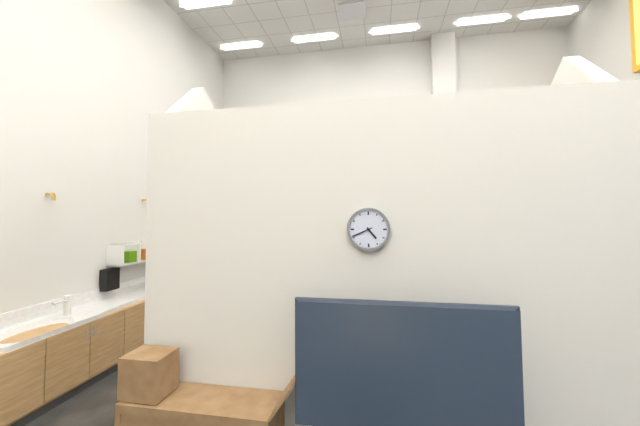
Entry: 4,41
